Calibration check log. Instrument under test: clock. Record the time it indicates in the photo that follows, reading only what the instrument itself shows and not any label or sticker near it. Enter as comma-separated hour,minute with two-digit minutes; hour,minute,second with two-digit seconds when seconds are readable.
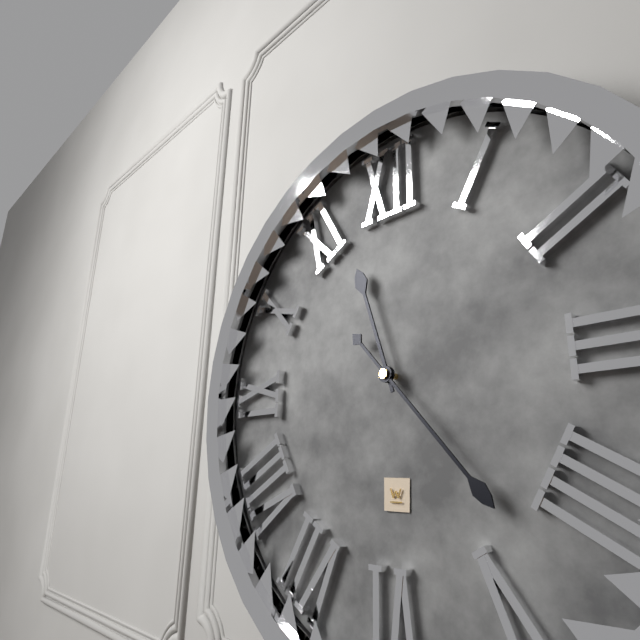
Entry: 11,23
